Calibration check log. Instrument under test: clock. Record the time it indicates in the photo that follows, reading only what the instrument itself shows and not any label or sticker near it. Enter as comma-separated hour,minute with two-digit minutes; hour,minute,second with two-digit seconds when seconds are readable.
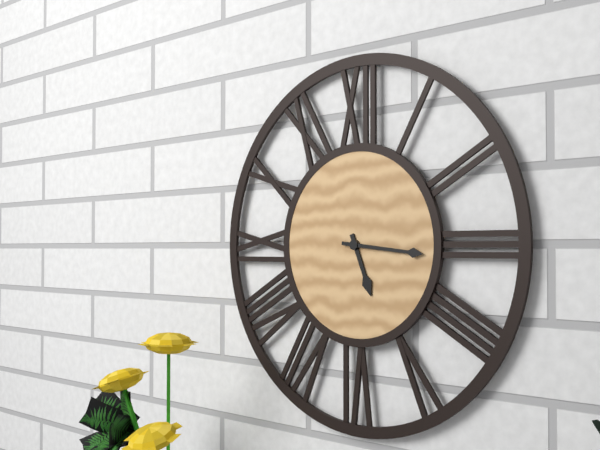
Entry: 5,16
